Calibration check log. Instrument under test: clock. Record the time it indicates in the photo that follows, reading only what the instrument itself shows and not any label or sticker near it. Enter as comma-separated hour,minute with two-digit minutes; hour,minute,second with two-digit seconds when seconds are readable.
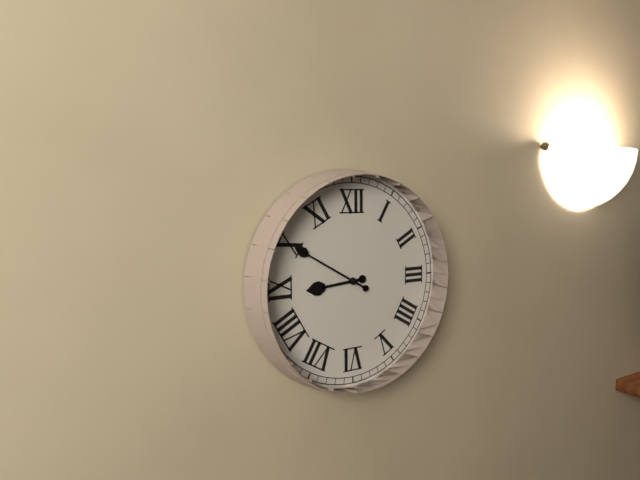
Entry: 8,50
